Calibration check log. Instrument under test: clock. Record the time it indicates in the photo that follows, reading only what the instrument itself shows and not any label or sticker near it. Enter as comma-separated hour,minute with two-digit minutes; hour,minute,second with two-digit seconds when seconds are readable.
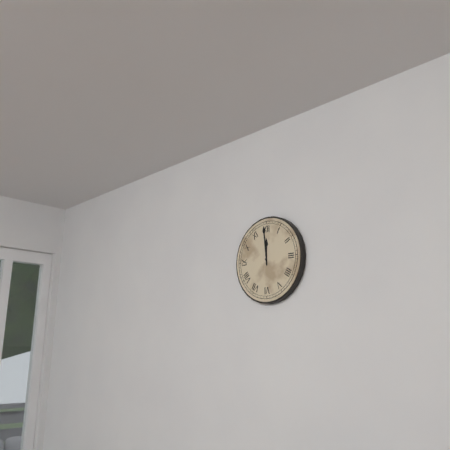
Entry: 11,59
